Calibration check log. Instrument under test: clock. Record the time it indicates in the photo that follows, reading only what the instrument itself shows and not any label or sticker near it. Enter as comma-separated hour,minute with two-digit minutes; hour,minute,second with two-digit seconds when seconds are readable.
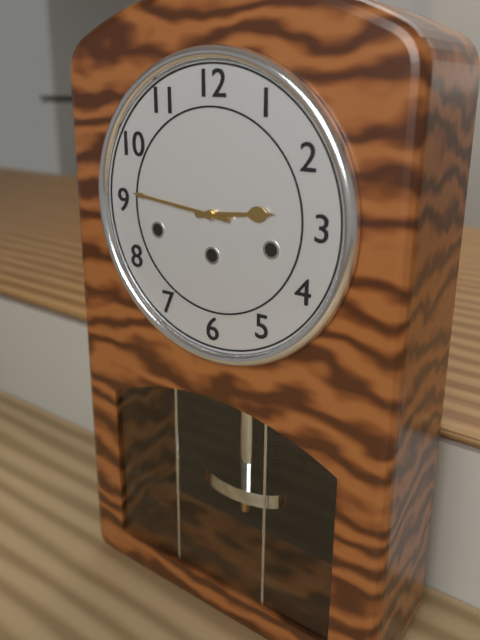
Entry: 2,46
